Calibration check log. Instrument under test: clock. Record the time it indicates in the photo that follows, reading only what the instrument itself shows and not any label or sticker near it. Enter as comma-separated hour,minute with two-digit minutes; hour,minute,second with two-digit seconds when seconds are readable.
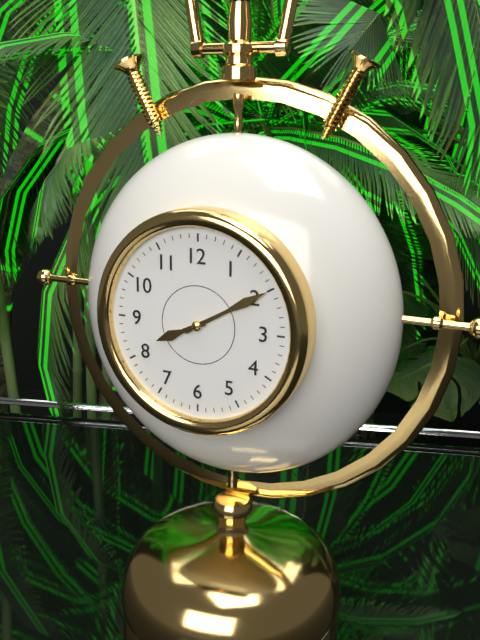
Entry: 8,10
